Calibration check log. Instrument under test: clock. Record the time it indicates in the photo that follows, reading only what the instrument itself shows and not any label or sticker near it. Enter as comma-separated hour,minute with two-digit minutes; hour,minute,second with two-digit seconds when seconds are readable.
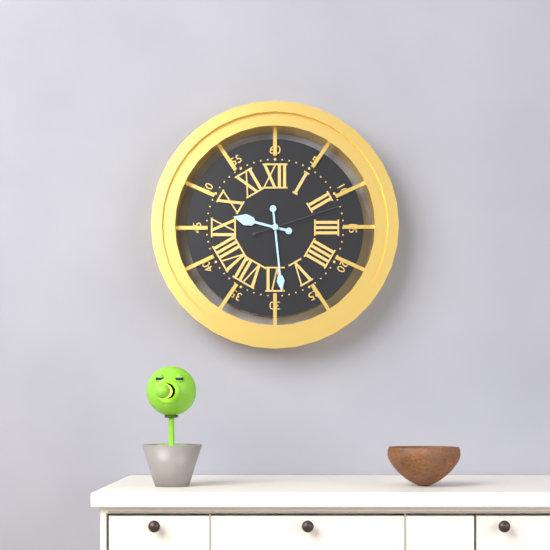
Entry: 9,29,12
